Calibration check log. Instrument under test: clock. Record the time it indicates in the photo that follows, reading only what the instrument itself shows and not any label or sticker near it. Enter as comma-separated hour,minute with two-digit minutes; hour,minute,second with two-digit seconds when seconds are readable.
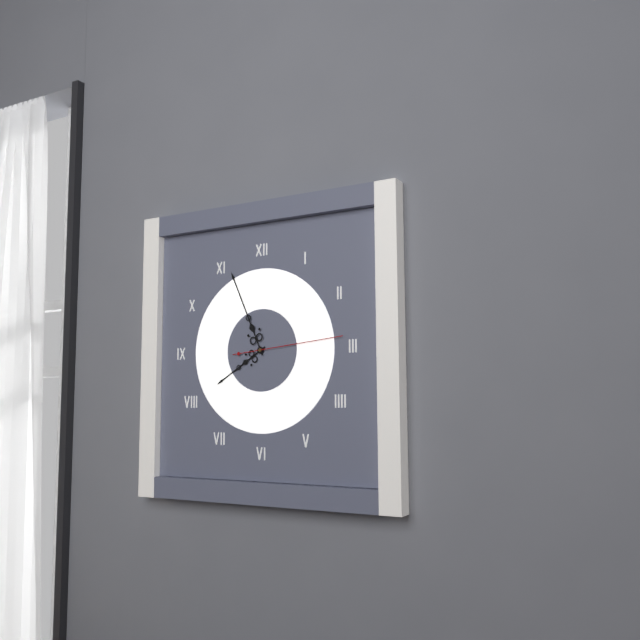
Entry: 7,56,14
